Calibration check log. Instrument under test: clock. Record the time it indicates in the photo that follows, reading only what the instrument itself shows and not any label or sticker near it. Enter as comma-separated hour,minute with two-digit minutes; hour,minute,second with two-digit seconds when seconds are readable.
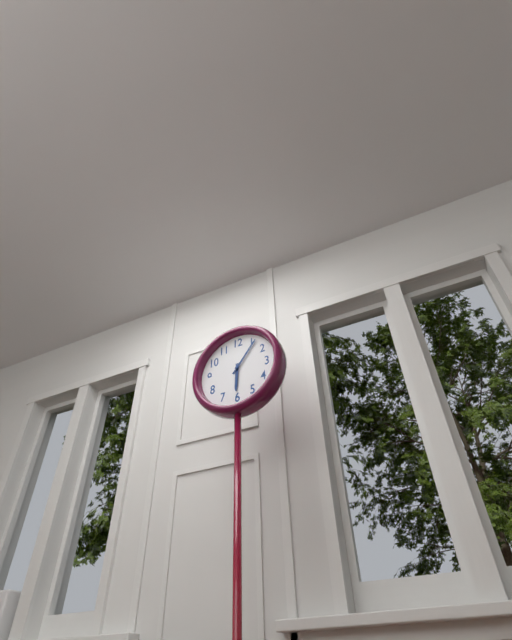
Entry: 6,06
